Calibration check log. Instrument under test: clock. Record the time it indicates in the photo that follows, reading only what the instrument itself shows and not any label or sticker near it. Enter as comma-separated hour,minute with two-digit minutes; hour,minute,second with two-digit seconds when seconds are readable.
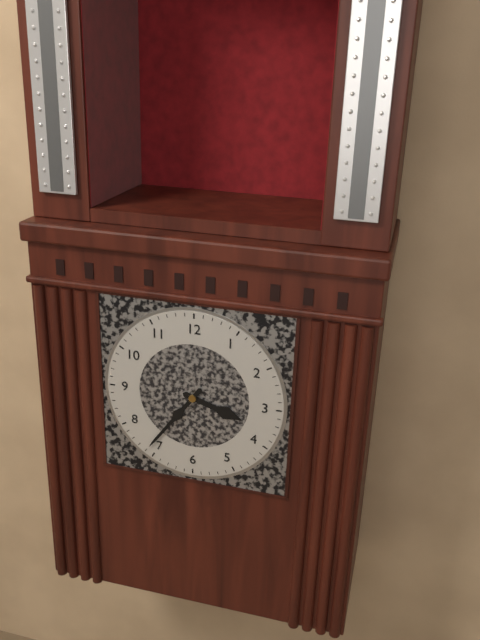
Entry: 3,36
